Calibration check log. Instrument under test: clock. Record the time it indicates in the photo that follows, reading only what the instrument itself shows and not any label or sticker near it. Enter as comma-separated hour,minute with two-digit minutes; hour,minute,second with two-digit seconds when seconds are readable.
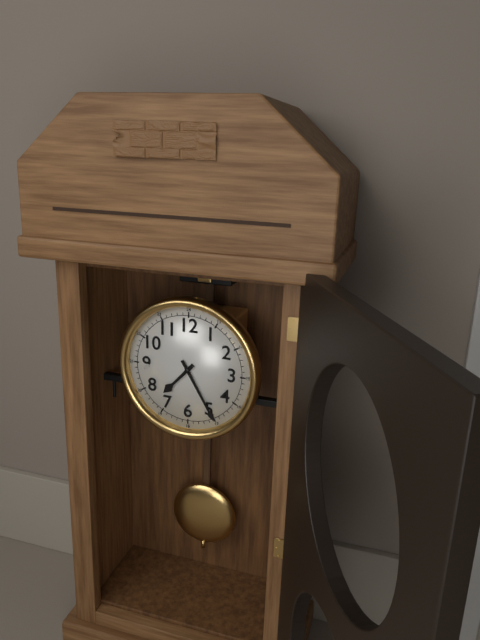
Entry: 7,25
